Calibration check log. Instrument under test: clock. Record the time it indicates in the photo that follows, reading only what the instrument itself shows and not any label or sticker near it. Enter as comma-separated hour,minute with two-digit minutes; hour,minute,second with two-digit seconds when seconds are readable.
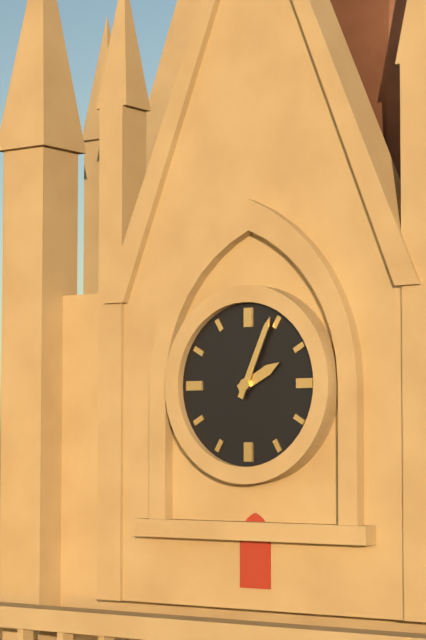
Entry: 2,04
